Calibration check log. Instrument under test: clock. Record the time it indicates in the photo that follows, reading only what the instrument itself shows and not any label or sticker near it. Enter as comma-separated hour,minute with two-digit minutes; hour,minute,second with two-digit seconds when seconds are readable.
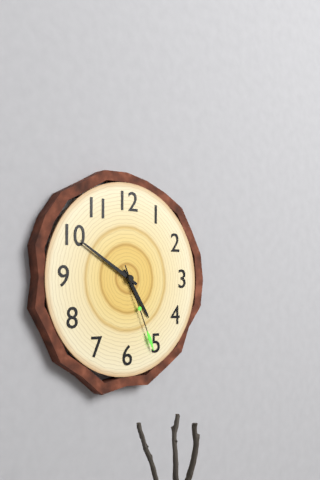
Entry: 4,50,26
